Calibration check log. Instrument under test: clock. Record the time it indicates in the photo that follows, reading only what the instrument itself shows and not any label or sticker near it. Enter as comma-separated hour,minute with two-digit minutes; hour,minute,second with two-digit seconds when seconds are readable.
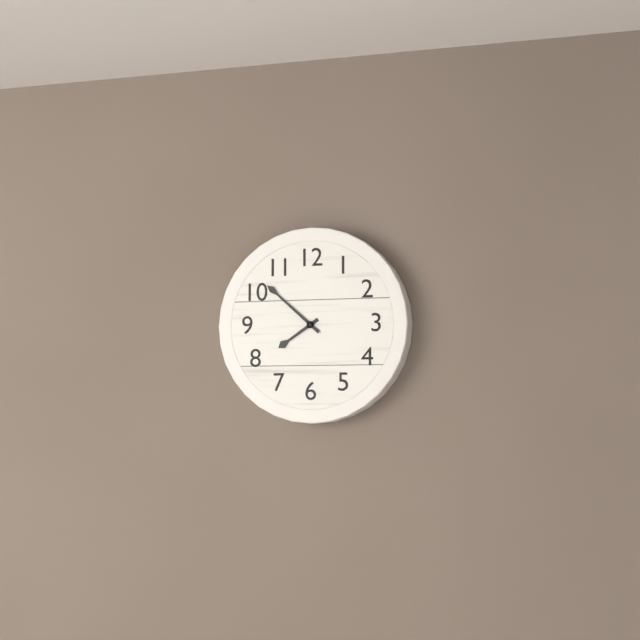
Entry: 7,52
